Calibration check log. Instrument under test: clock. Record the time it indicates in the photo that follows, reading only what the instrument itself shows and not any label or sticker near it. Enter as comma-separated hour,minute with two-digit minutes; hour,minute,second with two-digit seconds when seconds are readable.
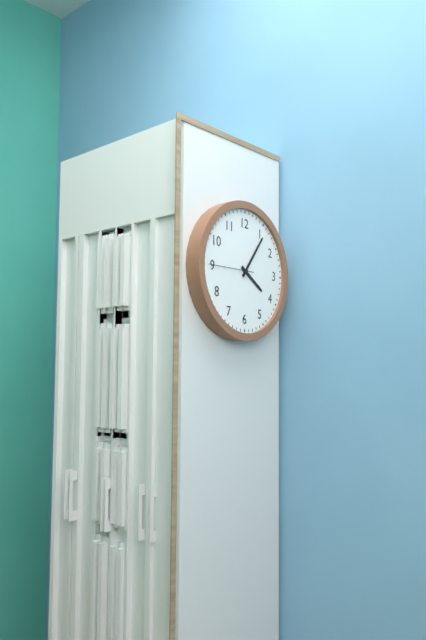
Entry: 4,06
